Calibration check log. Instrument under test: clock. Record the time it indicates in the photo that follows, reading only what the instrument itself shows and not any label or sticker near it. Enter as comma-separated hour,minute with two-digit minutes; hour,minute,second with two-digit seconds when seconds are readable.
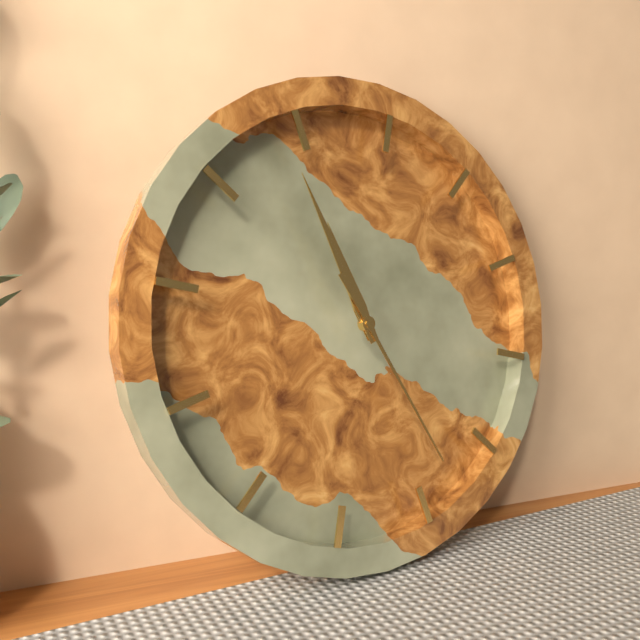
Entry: 10,54,23
